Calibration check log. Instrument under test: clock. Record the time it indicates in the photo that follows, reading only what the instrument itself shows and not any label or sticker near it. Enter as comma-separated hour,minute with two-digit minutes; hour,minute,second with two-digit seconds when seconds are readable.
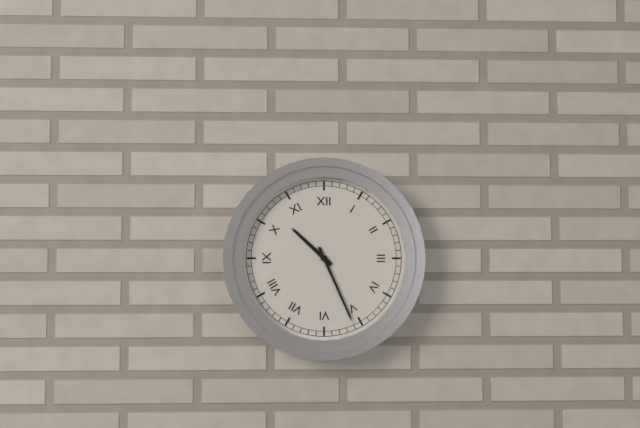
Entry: 10,26
